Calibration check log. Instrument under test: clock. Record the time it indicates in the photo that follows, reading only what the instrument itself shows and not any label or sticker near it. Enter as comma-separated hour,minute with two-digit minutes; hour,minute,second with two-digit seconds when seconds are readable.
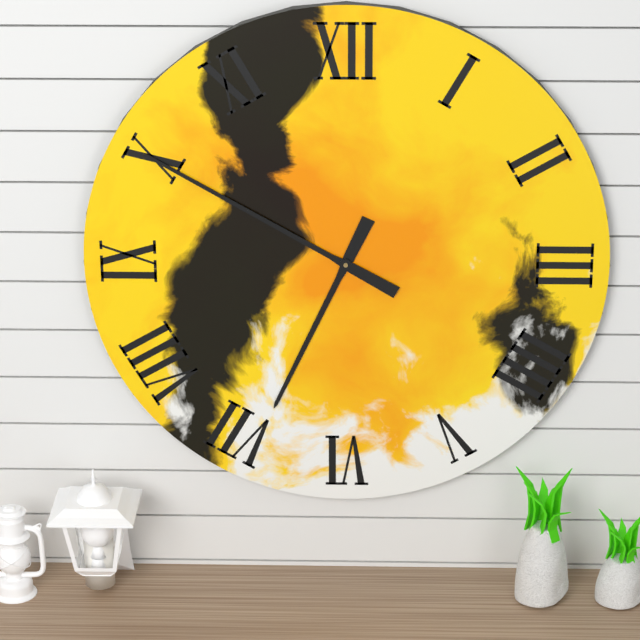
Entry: 6,50
